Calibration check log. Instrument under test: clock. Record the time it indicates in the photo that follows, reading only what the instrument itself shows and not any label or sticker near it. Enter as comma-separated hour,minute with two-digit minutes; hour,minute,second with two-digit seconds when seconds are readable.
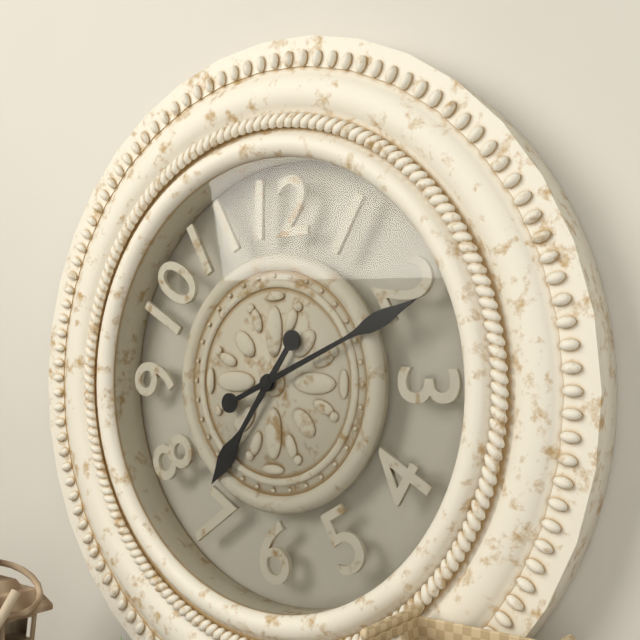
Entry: 7,11
